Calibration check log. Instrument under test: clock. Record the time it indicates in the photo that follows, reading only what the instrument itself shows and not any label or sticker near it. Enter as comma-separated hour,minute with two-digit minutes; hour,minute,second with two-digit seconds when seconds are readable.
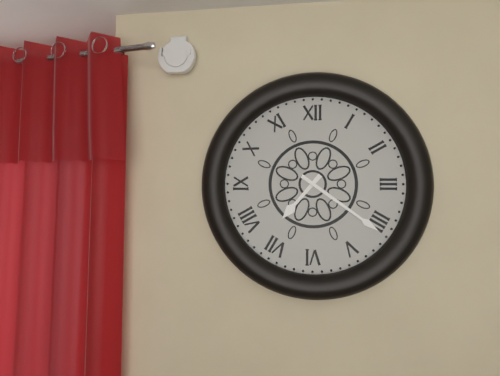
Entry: 7,21
